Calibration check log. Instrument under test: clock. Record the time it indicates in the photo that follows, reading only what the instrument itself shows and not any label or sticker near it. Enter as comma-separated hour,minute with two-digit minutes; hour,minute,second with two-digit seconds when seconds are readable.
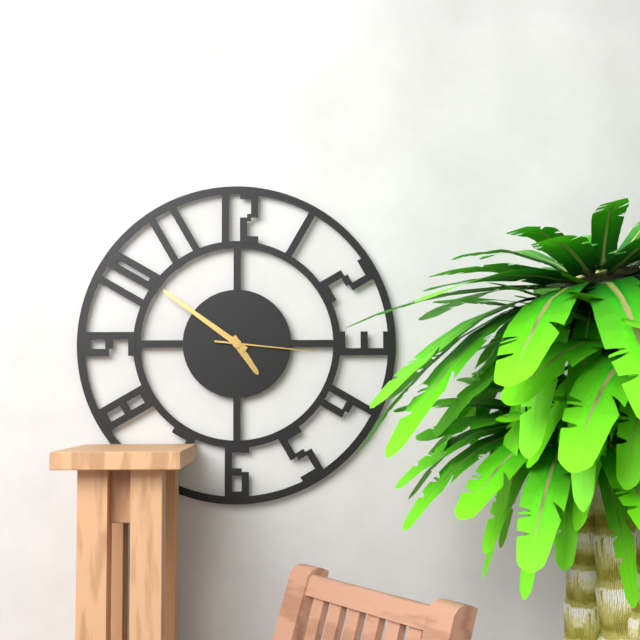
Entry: 4,51,16
